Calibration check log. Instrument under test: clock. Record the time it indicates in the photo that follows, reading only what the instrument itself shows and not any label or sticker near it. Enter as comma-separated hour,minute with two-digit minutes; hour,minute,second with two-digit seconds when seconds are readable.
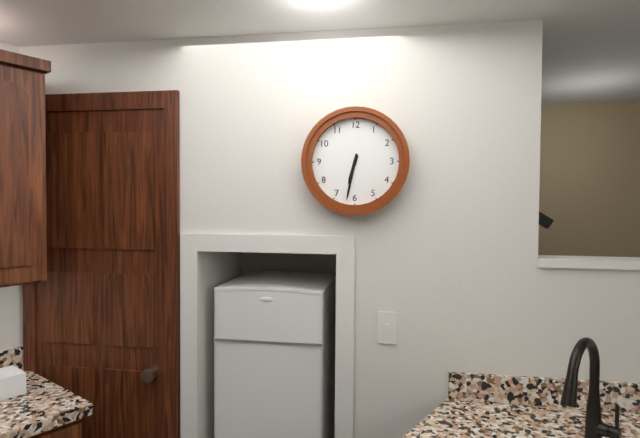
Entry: 6,32
